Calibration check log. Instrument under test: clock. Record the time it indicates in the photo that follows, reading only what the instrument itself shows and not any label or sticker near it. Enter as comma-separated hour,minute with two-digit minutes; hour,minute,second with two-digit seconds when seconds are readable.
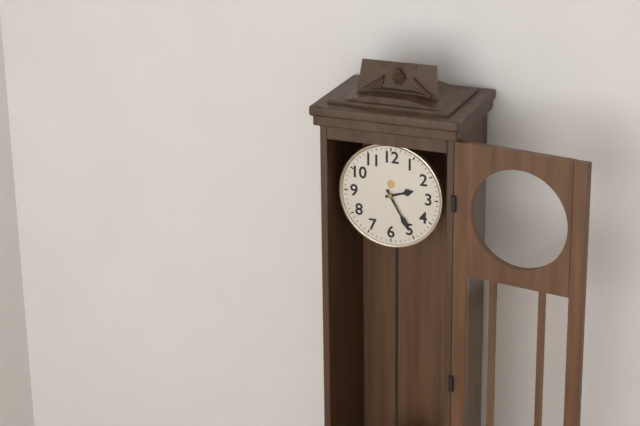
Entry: 2,25
